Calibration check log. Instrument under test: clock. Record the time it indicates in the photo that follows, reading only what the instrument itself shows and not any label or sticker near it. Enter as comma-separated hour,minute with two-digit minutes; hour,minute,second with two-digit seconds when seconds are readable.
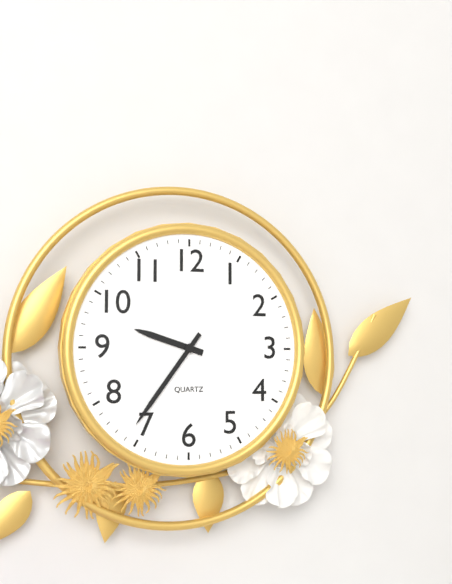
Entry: 9,36
